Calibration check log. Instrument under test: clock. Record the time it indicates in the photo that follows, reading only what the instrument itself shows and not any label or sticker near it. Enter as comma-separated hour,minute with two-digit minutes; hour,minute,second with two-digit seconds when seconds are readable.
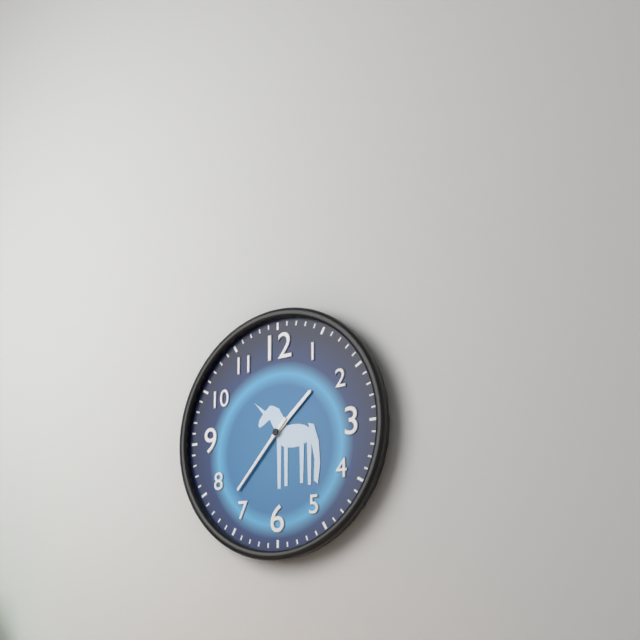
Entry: 1,37
